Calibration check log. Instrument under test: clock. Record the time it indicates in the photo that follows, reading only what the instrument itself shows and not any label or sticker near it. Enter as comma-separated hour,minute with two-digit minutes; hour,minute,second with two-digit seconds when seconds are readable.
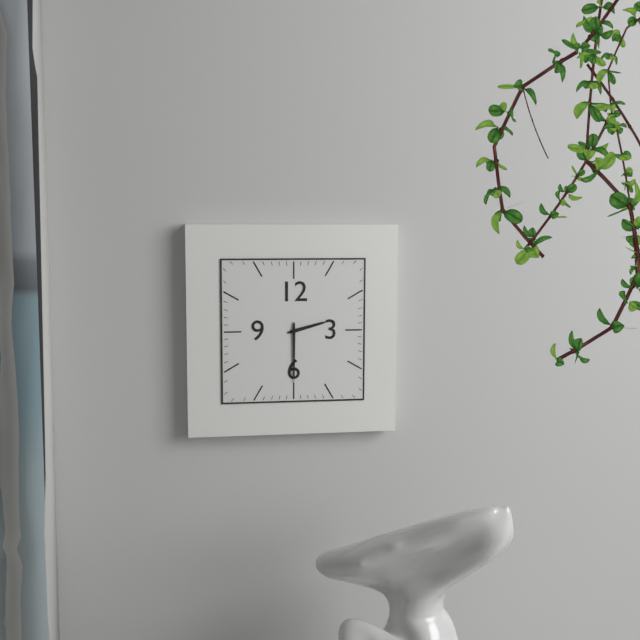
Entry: 2,30
